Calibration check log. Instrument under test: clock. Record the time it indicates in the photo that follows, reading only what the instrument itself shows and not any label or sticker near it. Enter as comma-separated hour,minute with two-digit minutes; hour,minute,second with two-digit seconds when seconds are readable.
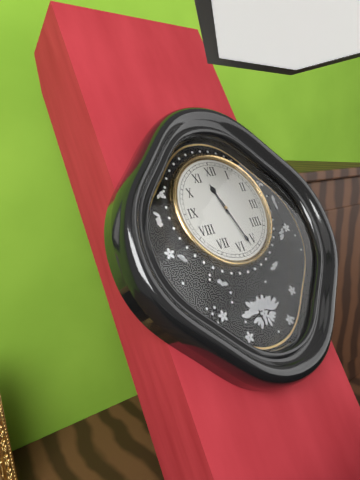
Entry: 11,27
